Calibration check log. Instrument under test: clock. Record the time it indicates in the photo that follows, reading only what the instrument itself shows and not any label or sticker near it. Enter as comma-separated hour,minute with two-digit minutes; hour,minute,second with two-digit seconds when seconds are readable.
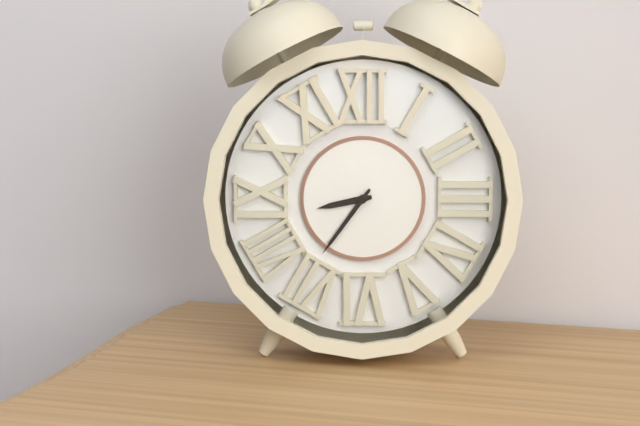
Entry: 8,36
